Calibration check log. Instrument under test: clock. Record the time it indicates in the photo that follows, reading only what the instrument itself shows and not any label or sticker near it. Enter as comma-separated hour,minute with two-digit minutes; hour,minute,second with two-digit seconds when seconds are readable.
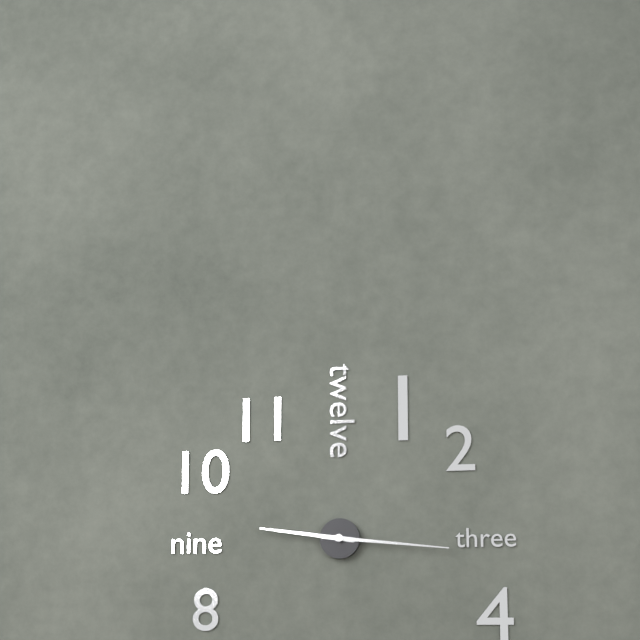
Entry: 9,16
